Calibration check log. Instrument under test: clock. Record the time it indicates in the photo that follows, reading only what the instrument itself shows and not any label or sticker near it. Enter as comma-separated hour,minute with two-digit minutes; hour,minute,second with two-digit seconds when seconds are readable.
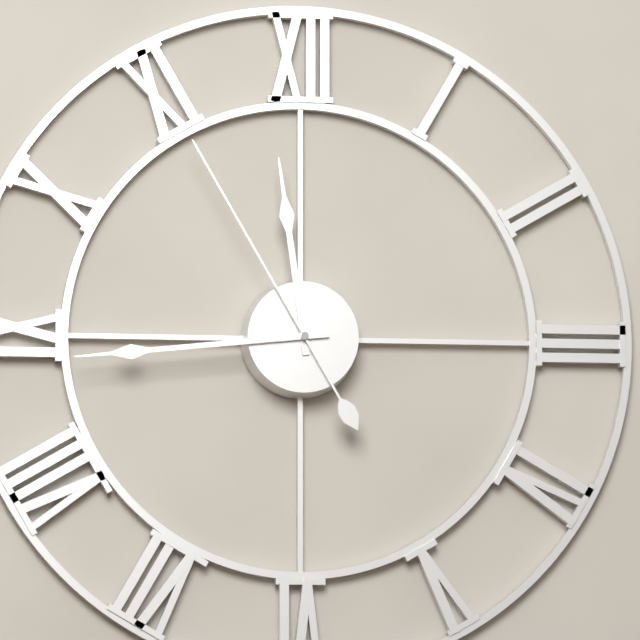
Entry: 11,44,55
